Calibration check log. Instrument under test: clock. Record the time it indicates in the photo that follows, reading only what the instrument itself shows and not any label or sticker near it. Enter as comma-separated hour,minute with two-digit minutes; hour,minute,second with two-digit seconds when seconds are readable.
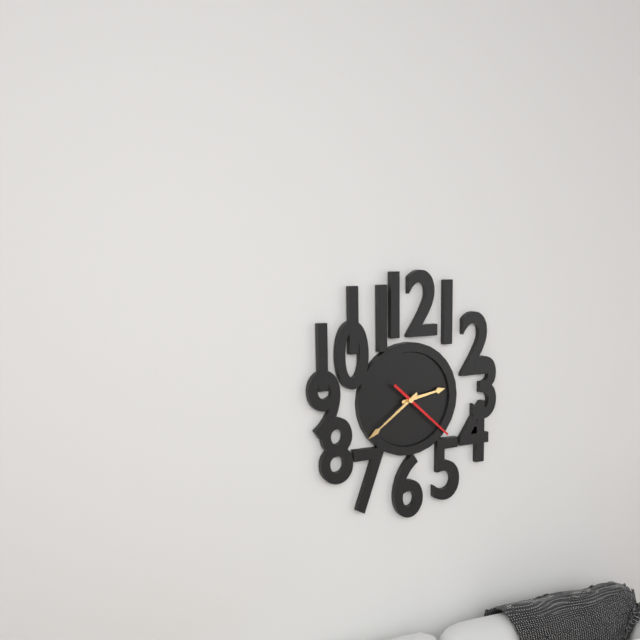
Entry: 2,39,22
